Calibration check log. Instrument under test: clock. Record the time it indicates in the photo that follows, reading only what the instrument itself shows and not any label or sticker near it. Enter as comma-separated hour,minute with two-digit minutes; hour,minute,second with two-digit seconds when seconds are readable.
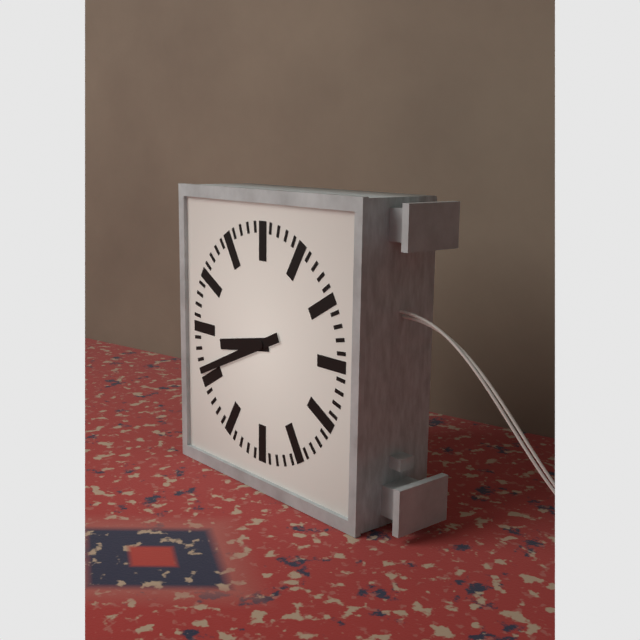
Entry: 8,41
